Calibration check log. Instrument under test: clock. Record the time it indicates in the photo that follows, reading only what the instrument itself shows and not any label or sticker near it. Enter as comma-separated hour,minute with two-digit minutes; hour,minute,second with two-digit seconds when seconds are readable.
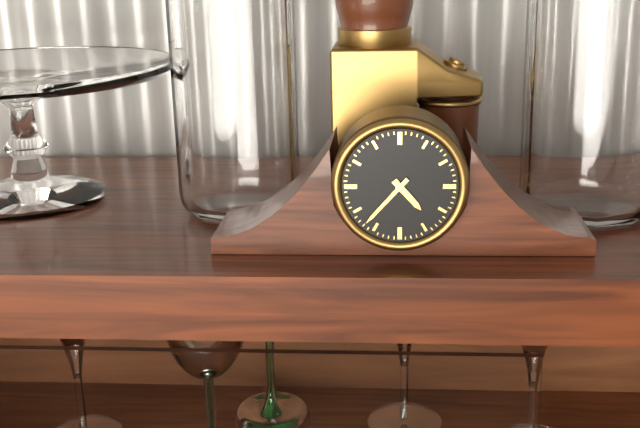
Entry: 4,37
